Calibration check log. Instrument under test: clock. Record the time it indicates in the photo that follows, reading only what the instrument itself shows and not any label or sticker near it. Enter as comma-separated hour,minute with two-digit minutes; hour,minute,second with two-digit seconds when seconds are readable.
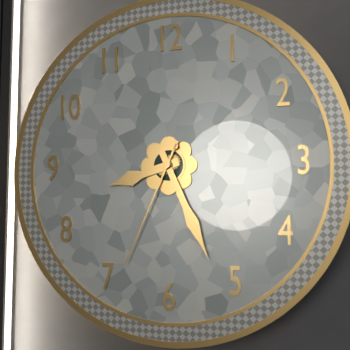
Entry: 8,26,34
